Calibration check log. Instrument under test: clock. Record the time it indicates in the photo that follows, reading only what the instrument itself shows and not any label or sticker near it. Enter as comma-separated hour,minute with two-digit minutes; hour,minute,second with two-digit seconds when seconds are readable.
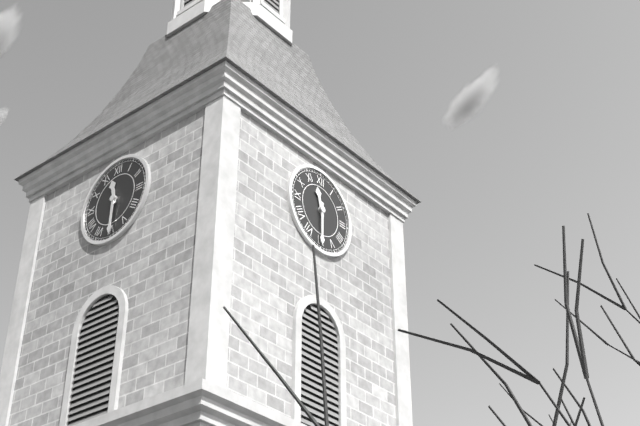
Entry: 11,30
